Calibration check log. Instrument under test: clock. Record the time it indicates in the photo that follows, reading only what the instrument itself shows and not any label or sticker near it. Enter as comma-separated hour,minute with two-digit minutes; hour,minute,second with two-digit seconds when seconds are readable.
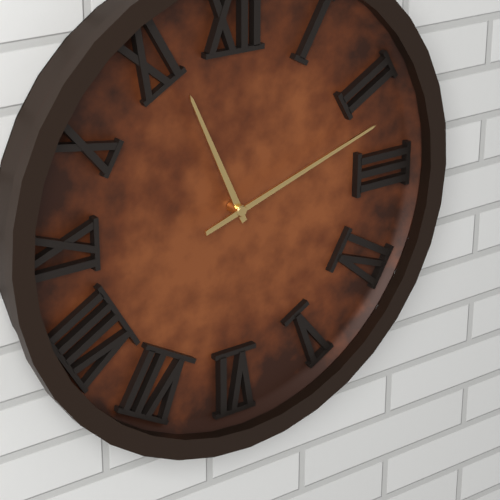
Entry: 11,12
